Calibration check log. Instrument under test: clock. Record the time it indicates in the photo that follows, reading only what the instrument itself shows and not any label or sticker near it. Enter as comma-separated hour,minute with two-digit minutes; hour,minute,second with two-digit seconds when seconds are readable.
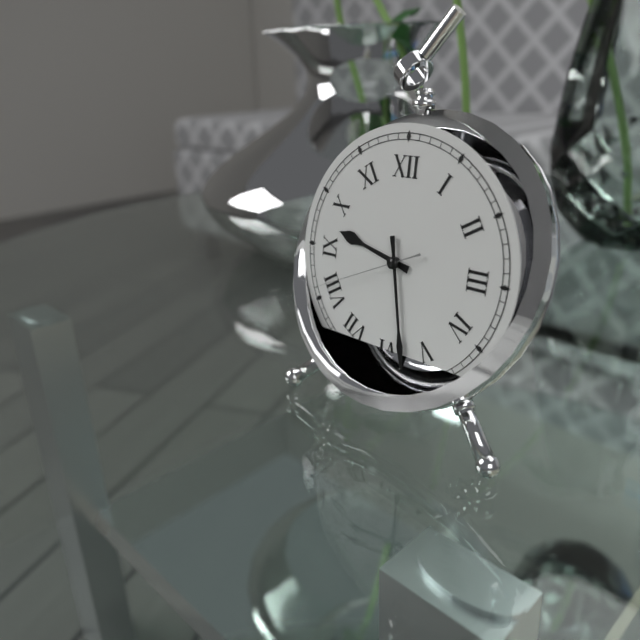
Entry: 9,28,41
